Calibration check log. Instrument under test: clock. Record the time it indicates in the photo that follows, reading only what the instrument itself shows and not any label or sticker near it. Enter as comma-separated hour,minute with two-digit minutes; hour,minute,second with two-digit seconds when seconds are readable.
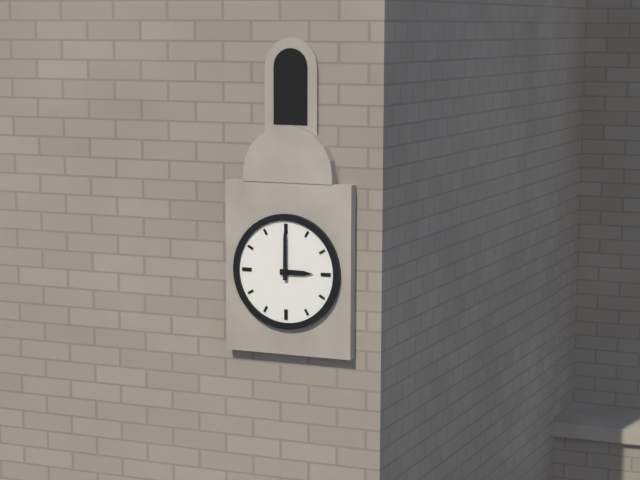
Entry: 3,00
